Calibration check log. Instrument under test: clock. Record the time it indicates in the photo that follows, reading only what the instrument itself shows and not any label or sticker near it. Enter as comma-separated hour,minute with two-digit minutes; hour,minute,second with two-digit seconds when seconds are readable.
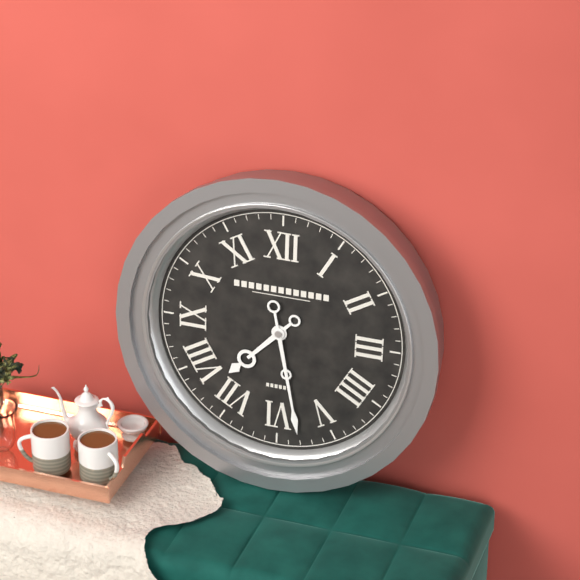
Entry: 7,28
